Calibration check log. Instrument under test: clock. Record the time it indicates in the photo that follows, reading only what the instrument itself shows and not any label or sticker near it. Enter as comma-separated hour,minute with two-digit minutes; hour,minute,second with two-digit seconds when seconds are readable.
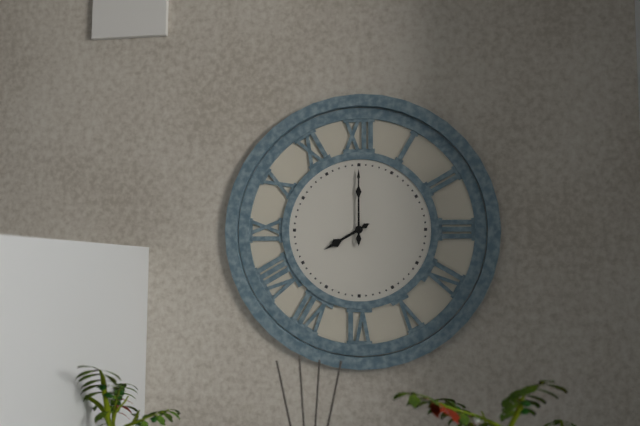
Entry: 8,00
